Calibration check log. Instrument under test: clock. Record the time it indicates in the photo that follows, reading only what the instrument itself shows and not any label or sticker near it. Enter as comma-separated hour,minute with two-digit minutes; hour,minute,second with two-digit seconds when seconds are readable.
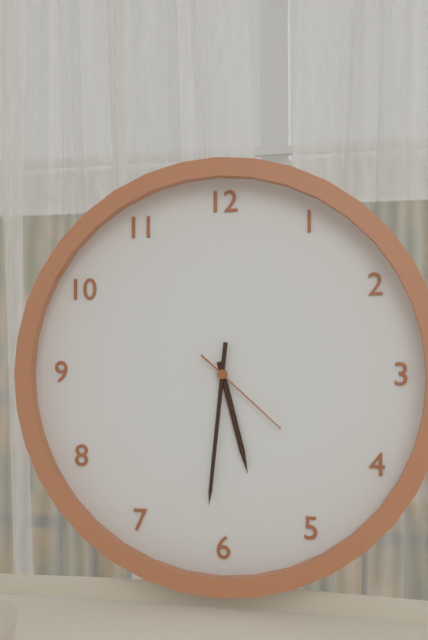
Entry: 5,31,22
